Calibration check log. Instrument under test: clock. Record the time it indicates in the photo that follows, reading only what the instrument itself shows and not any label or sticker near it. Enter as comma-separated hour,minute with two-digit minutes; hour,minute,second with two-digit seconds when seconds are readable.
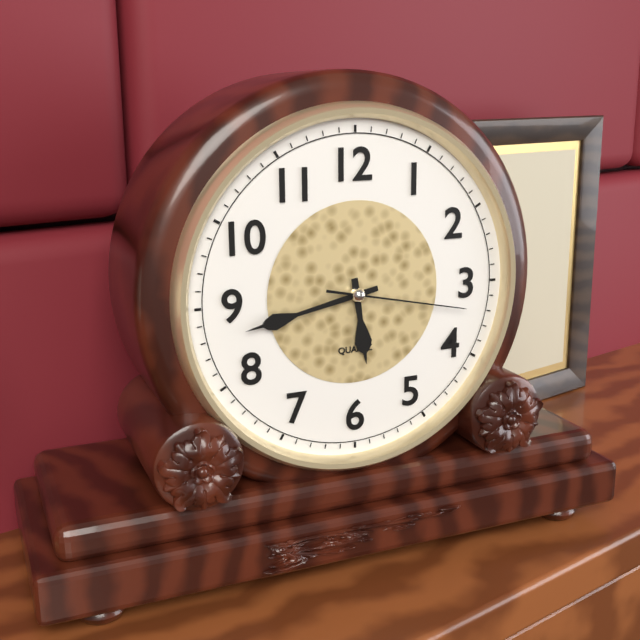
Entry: 5,43,17
